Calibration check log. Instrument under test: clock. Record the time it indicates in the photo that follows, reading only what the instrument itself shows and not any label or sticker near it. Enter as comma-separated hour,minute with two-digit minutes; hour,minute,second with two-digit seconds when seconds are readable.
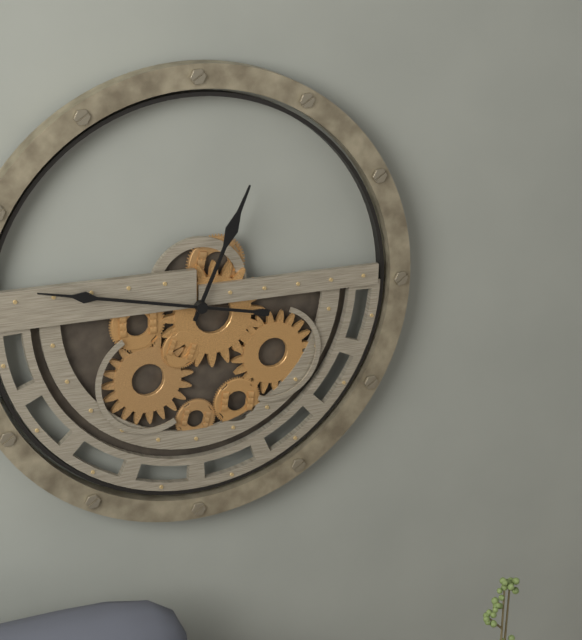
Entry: 12,47
